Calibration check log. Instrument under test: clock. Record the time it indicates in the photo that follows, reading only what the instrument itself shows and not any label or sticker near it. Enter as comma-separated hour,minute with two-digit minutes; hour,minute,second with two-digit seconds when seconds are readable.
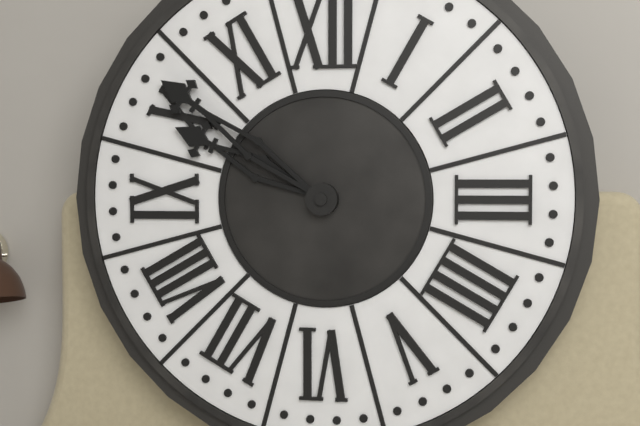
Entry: 9,51
